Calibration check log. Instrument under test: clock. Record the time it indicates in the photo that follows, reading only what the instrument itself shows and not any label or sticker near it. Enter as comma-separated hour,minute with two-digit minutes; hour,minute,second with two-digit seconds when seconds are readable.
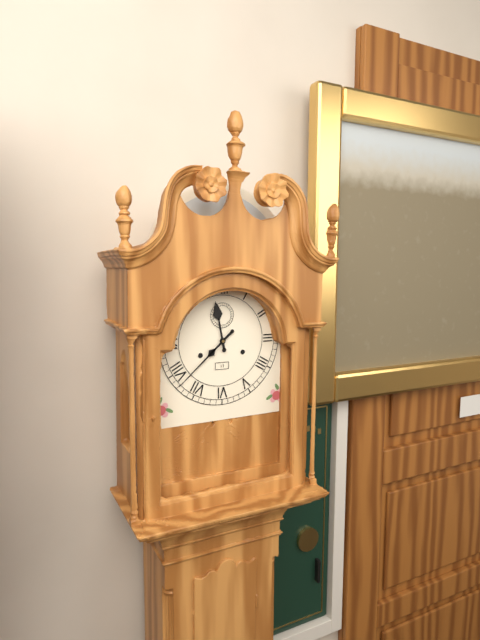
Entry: 11,38
